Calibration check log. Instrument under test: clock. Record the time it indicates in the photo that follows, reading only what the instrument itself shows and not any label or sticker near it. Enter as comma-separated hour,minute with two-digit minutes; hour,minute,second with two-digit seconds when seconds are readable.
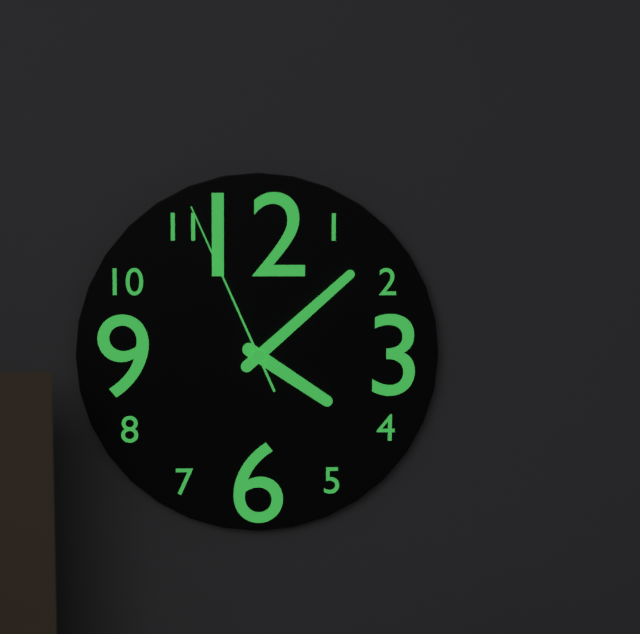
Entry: 4,08,56
